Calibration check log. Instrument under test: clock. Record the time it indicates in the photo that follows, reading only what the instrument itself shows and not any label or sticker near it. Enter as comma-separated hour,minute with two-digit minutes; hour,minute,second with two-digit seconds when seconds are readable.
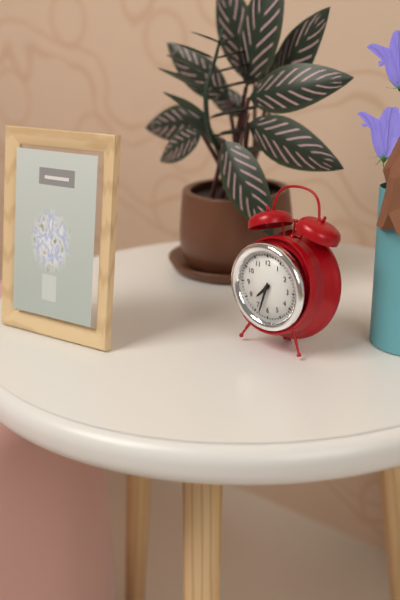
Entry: 7,33
